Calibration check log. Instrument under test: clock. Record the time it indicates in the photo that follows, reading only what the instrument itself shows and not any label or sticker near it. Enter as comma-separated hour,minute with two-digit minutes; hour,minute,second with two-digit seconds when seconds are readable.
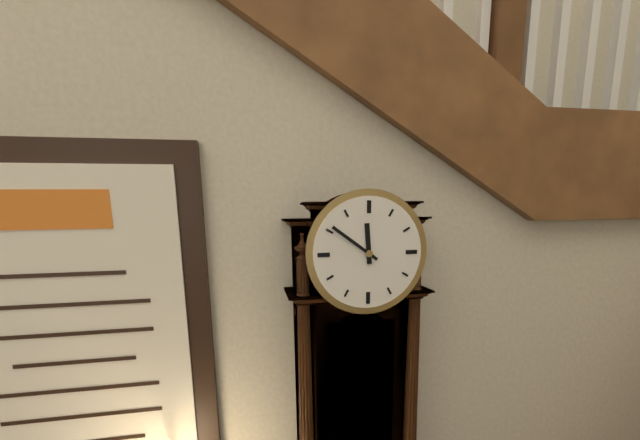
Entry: 11,51
